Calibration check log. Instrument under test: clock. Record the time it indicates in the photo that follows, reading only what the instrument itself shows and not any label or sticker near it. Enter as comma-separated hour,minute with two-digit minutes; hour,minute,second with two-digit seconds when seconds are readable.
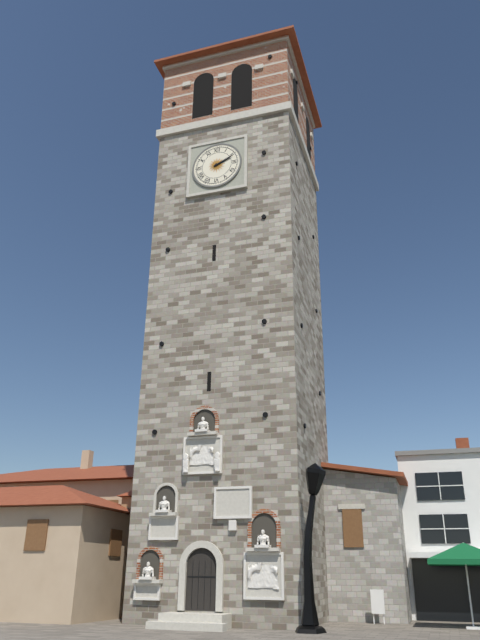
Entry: 2,11
